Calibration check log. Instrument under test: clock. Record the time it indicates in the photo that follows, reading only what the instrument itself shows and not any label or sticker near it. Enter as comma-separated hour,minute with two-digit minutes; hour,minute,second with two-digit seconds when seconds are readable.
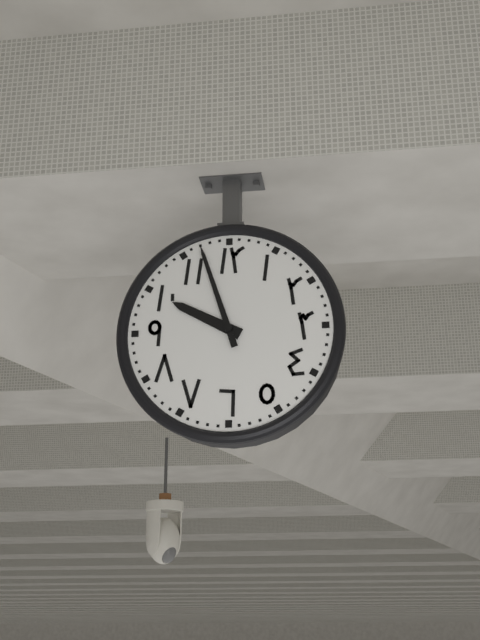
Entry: 9,57
